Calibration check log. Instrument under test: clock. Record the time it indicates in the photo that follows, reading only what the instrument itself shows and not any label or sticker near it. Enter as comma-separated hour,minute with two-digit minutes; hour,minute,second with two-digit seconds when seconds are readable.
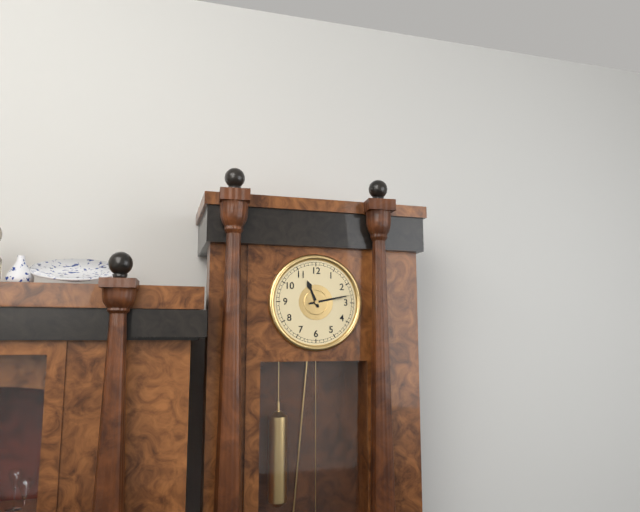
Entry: 11,13
